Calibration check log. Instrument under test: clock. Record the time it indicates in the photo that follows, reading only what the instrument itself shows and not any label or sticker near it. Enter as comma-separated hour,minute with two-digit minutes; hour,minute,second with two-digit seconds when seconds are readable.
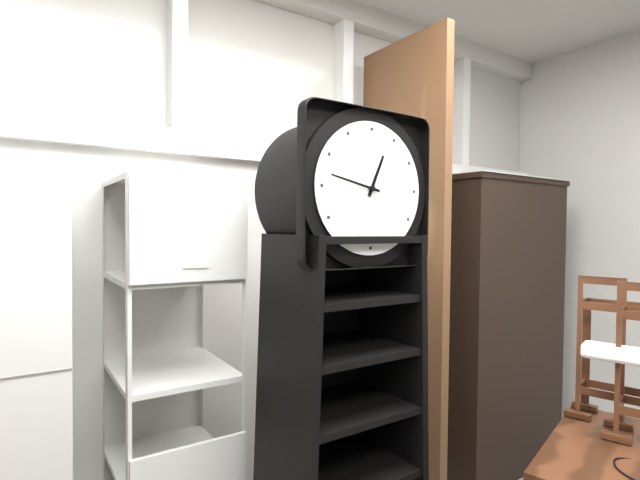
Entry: 12,47
